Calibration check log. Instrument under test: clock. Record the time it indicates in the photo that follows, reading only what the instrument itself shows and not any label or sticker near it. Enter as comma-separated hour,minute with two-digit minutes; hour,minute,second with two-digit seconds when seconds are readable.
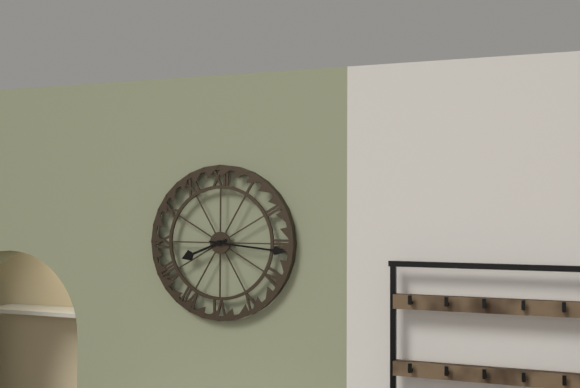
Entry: 8,16
